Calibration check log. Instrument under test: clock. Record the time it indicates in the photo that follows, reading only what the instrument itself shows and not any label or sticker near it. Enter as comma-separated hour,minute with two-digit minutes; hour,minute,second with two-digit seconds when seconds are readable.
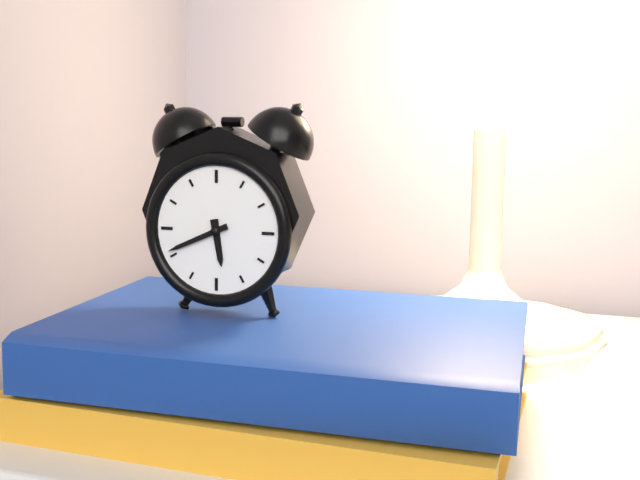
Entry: 5,41
